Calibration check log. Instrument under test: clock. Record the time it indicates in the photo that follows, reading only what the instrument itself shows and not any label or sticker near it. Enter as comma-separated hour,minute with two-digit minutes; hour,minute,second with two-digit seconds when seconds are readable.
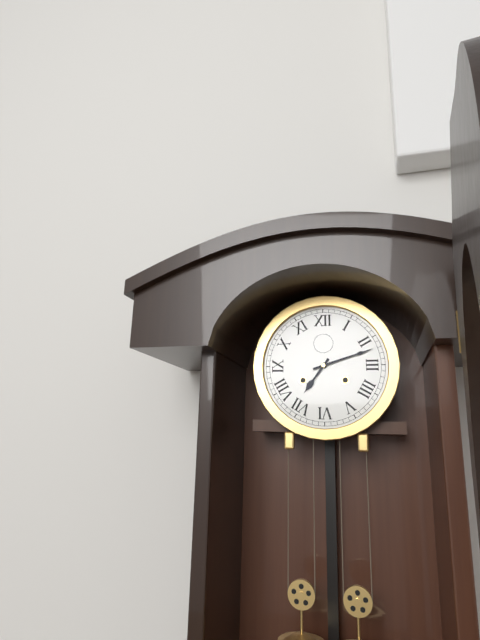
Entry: 7,12
